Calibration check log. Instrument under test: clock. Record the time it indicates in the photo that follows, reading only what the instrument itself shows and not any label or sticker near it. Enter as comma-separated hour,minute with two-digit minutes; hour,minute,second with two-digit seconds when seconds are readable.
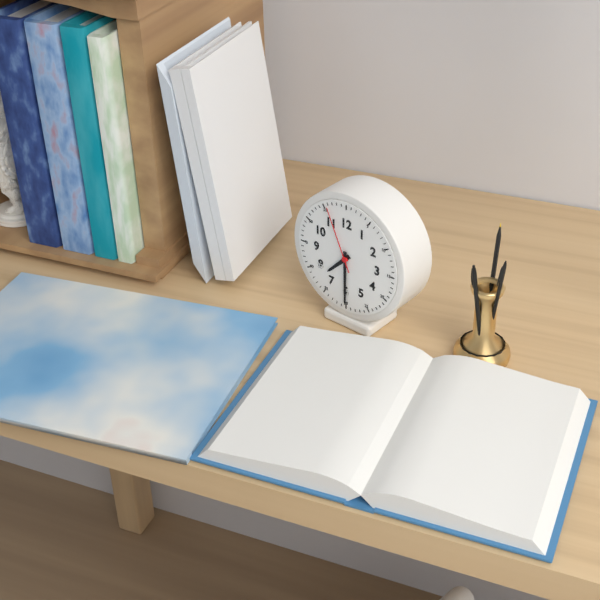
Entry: 7,30,56
